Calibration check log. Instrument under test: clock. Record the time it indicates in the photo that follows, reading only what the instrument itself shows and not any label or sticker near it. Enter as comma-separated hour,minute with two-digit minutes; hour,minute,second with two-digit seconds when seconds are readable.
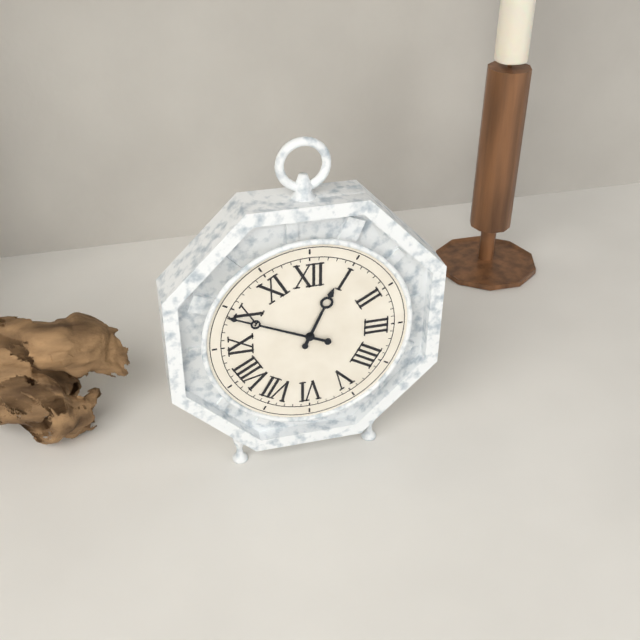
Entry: 12,49
